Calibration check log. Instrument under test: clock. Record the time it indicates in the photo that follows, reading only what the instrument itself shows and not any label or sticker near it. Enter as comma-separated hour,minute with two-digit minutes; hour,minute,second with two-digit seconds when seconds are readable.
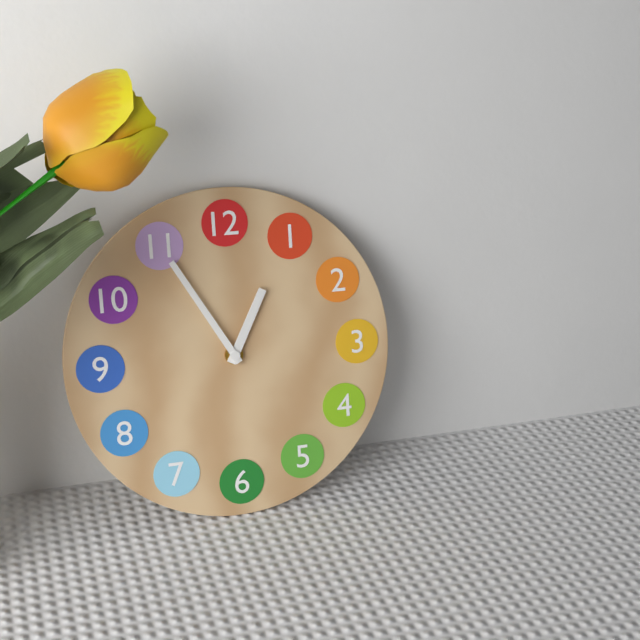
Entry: 12,55
